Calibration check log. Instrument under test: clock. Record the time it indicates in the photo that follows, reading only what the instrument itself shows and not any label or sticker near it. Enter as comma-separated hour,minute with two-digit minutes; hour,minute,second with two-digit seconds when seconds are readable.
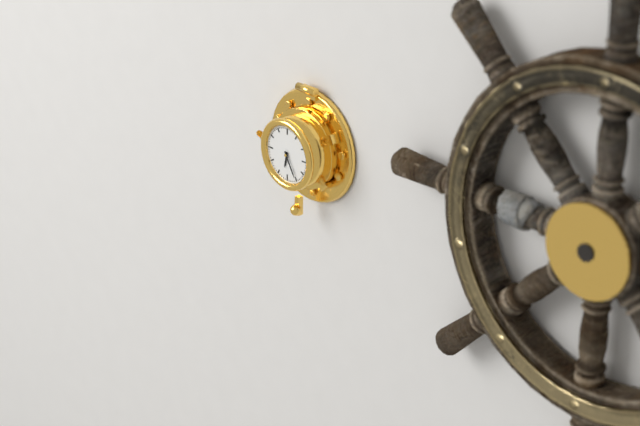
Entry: 6,25
